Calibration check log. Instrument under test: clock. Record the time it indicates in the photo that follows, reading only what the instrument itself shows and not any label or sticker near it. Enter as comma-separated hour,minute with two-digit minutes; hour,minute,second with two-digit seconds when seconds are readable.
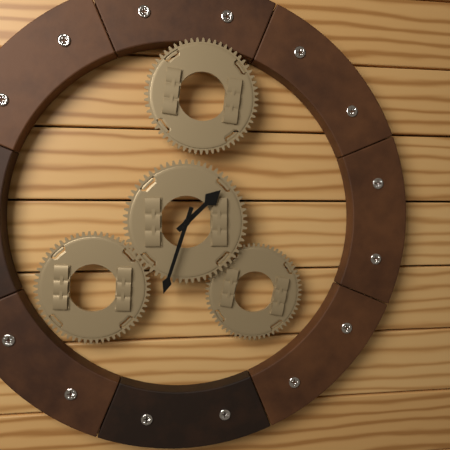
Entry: 1,33
